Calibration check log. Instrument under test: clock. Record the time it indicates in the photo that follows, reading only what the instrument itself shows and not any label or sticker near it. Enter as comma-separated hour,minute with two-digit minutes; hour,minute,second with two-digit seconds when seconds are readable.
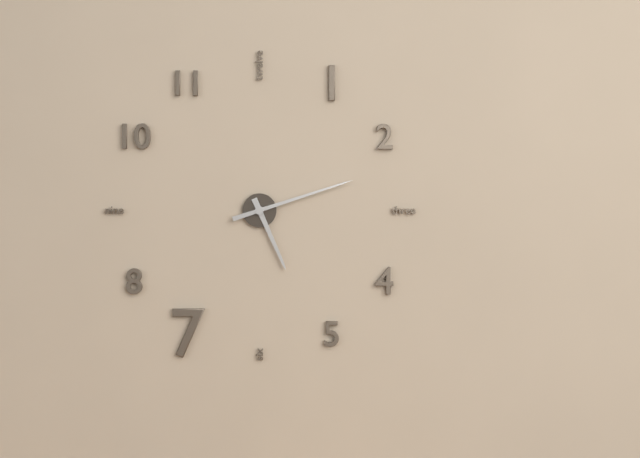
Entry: 5,12
